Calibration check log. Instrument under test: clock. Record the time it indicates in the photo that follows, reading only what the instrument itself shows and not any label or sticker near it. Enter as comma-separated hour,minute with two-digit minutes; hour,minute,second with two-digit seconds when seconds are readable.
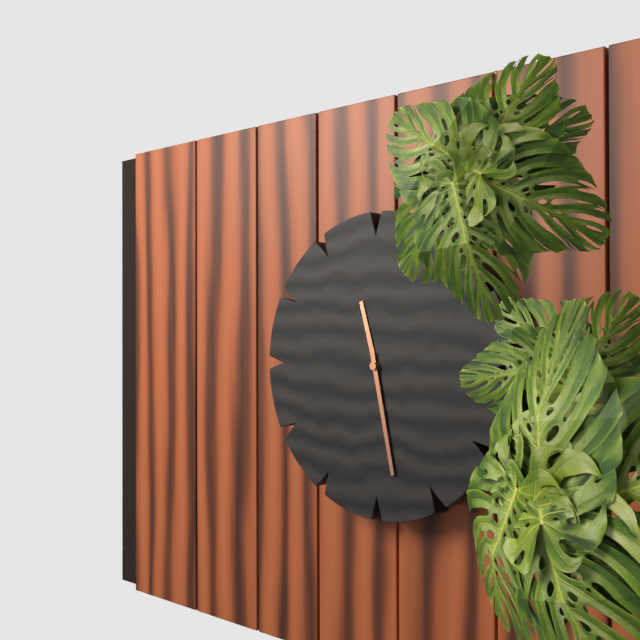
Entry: 11,28
